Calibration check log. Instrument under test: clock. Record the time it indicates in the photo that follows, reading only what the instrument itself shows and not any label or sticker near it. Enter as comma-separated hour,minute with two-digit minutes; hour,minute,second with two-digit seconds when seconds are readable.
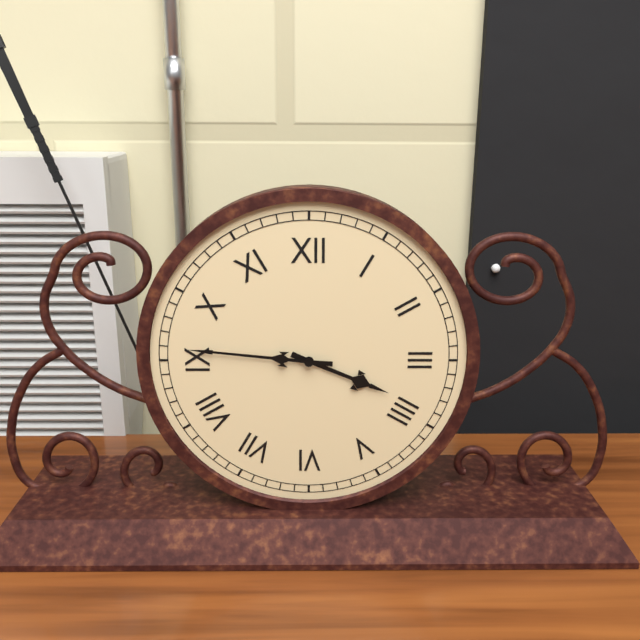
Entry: 3,46
